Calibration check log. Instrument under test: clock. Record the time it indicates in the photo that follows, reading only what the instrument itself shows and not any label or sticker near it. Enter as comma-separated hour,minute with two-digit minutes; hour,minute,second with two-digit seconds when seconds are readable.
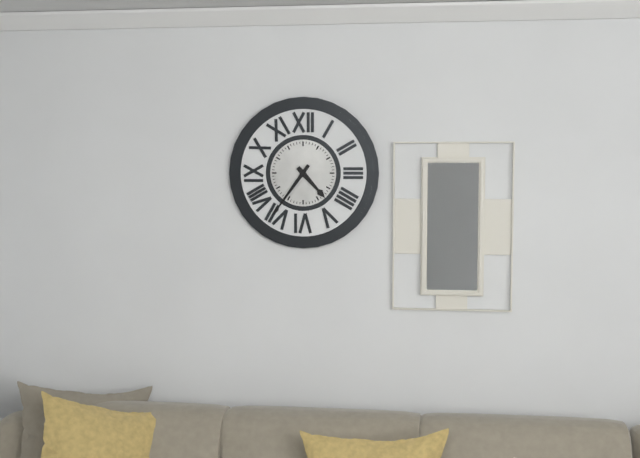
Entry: 4,36
